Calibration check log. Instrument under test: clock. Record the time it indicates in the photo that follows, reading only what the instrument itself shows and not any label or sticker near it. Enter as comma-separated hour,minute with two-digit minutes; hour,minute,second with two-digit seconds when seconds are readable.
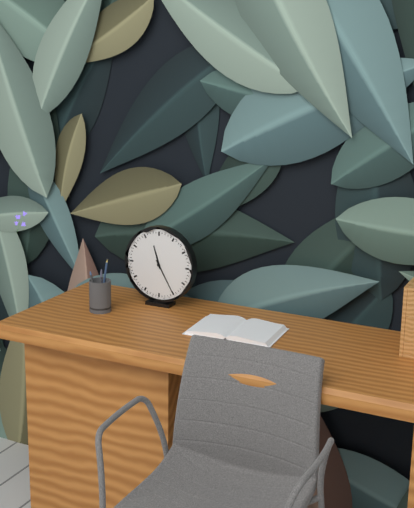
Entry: 11,25
